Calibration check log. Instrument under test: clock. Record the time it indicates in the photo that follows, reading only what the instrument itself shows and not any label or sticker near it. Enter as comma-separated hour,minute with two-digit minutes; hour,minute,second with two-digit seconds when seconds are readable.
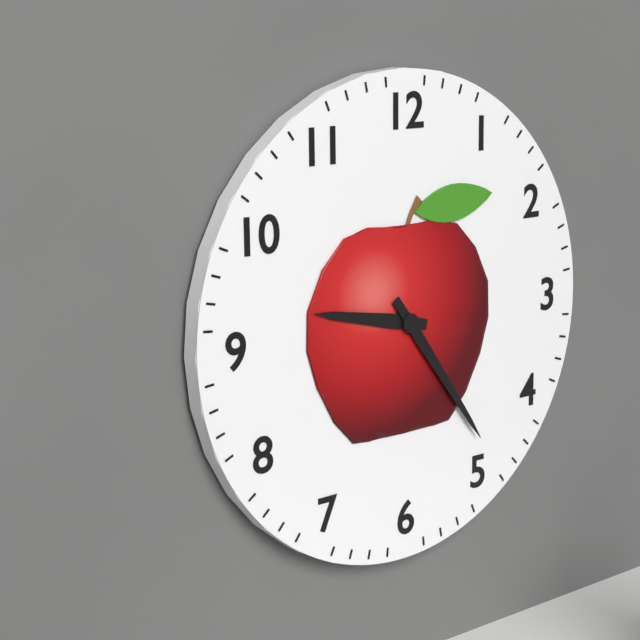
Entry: 9,24
